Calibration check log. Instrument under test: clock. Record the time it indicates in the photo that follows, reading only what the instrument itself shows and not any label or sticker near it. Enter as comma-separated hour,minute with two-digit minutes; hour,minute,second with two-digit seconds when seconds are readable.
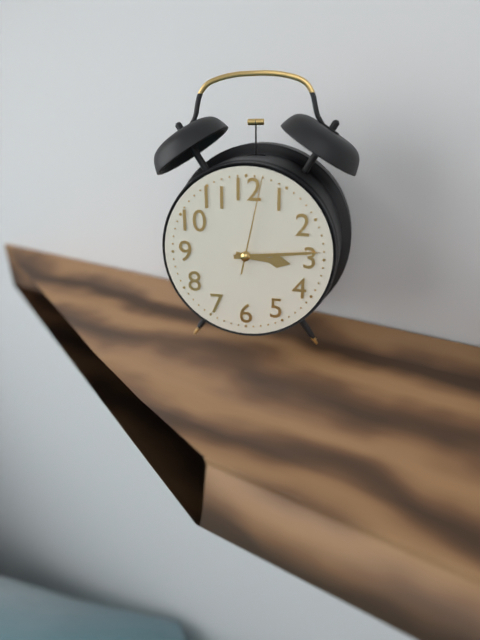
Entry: 3,14,02
